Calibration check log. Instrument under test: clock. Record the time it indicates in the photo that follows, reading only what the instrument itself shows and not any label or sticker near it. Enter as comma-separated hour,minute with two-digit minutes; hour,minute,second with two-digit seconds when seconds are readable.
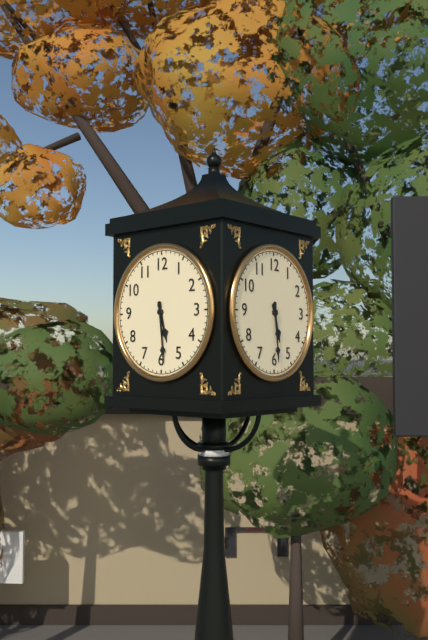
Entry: 5,29
